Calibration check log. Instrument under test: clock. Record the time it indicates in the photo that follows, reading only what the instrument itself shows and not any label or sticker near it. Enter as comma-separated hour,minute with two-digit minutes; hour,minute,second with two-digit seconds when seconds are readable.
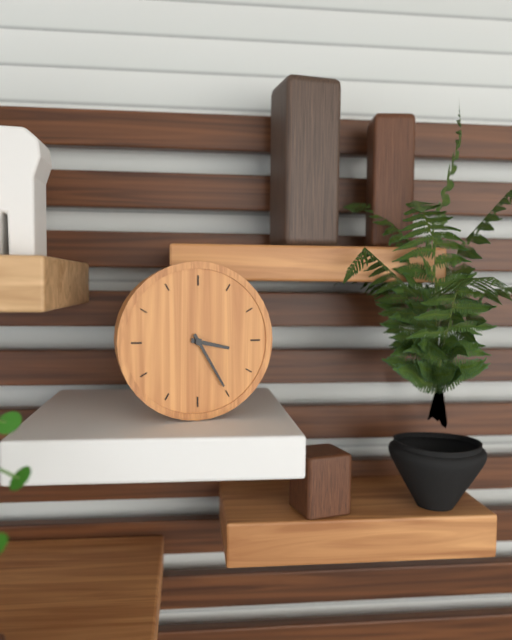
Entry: 3,25
